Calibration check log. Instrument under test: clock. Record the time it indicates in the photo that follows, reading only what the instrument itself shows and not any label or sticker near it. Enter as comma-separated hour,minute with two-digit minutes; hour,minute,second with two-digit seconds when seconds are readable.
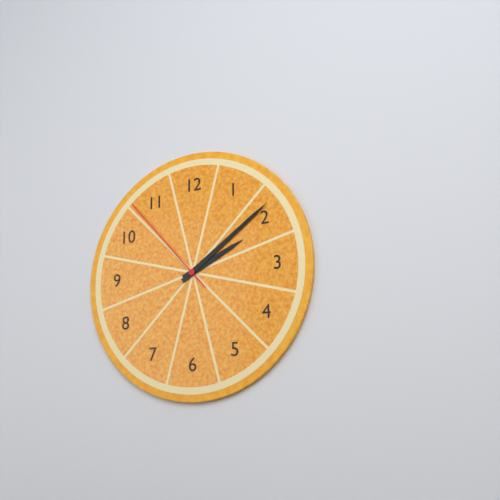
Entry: 2,09,53
